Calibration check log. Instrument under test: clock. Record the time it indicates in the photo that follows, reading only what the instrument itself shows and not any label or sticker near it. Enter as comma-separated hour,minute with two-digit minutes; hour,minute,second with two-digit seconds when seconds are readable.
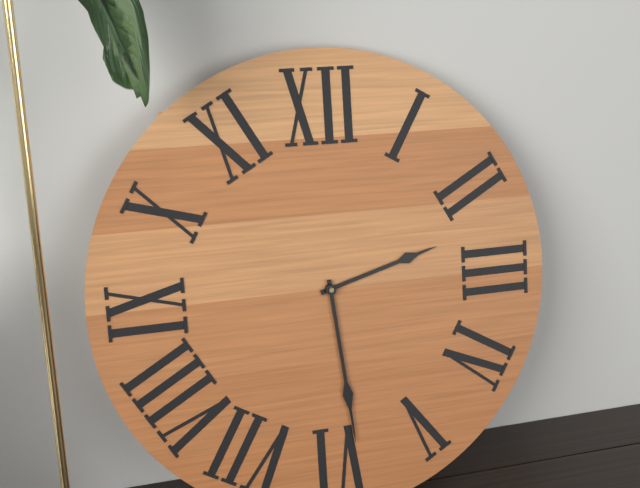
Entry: 2,29
